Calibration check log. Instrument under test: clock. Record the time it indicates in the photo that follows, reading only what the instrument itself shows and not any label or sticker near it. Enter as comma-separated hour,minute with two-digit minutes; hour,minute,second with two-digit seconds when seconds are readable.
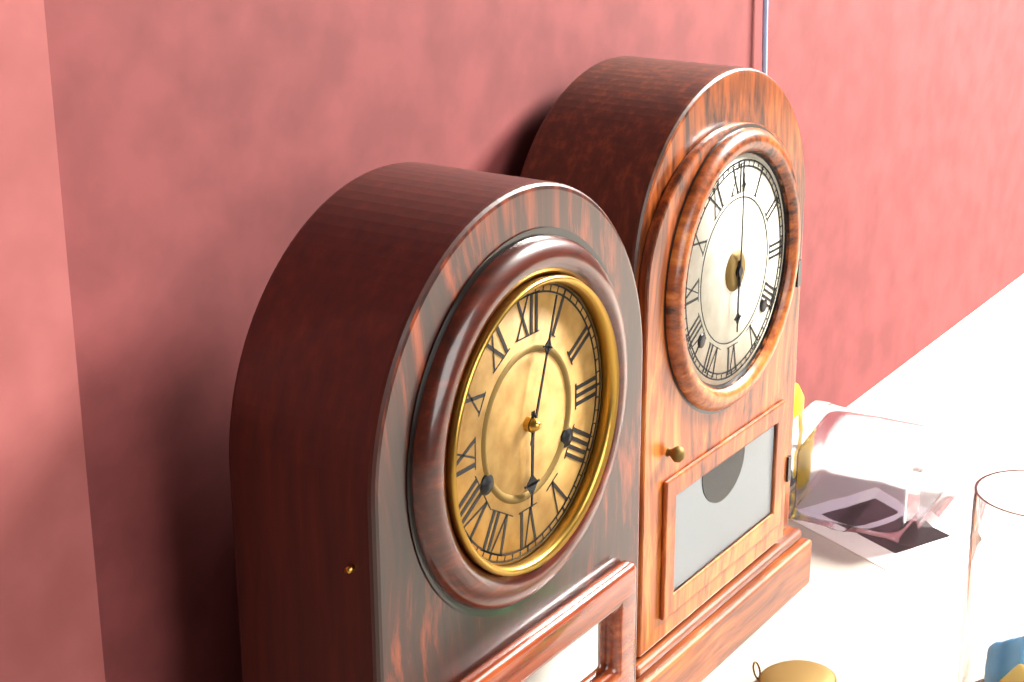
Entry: 6,03
